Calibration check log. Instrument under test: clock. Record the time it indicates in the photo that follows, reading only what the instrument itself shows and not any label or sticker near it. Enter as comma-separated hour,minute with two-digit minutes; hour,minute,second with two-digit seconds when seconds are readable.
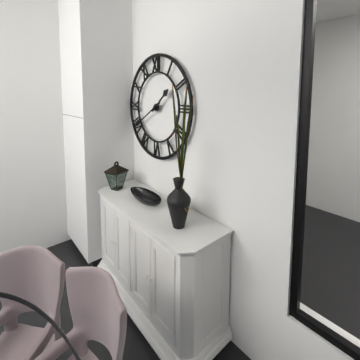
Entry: 1,40
